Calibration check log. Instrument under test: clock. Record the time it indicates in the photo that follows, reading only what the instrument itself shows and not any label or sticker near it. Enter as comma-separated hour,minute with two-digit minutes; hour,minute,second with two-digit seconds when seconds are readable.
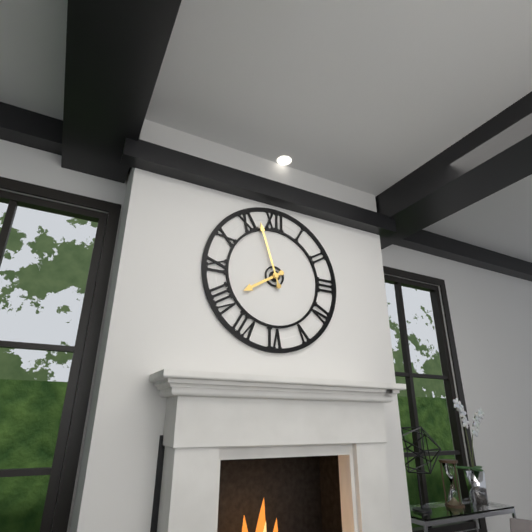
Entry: 7,57
